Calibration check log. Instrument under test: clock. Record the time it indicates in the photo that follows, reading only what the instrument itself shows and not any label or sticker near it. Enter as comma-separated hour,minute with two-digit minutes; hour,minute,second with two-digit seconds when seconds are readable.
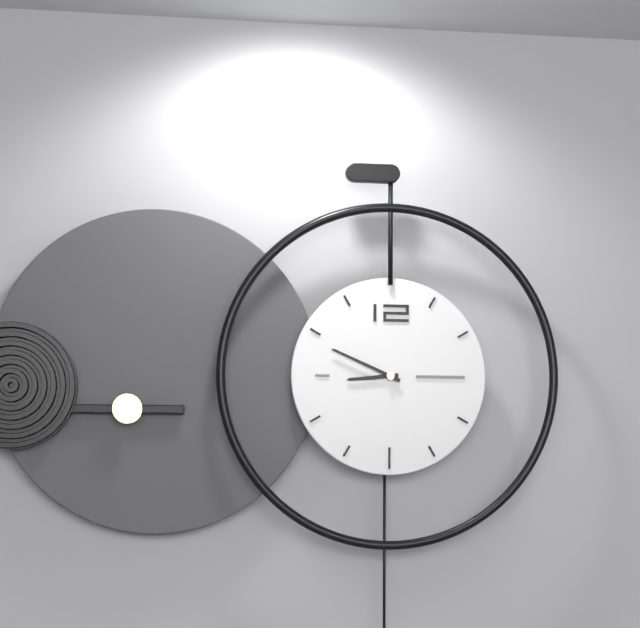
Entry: 8,49
